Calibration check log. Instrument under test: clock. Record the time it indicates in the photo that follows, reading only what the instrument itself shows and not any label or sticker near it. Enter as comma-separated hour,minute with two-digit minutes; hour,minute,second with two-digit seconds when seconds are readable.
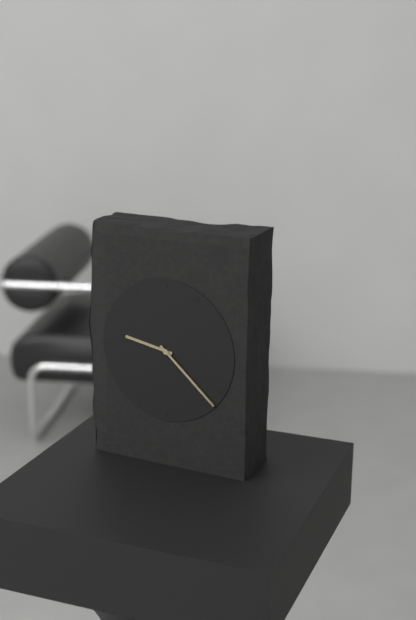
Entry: 9,22
